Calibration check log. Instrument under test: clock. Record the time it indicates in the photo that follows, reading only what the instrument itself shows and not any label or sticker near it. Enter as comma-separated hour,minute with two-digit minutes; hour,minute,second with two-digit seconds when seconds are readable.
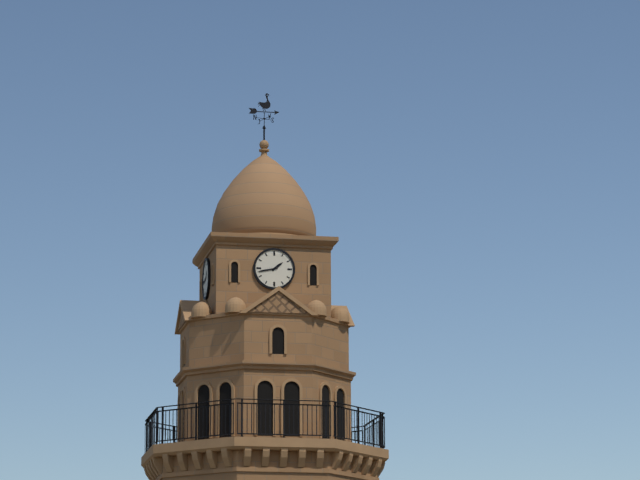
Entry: 1,43
